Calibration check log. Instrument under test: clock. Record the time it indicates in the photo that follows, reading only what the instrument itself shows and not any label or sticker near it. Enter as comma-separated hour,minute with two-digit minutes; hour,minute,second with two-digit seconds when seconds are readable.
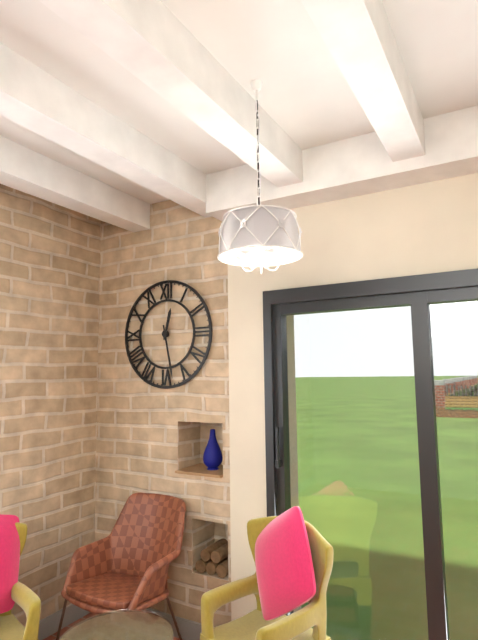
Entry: 12,28
